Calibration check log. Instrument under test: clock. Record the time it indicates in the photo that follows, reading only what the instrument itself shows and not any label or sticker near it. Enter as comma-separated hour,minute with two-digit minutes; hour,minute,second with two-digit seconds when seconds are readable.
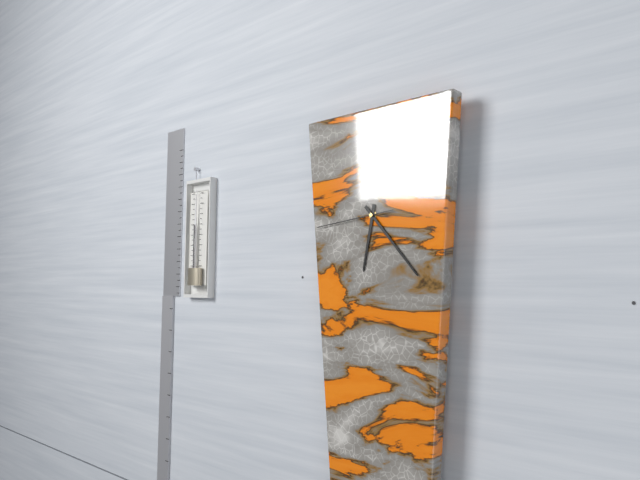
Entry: 6,23,44
